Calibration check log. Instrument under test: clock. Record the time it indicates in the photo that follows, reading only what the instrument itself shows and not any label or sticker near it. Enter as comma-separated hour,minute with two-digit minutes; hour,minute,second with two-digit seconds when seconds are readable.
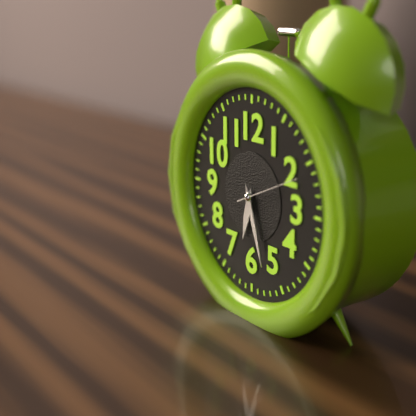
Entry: 6,27,11
